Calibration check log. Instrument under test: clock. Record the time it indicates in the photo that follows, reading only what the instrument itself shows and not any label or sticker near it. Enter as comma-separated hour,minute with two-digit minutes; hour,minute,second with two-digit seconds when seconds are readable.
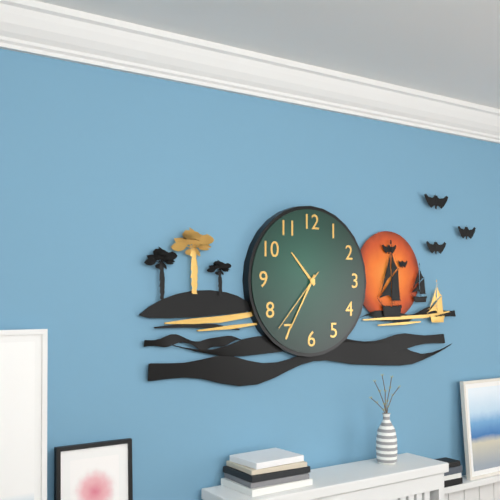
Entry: 10,35,37
